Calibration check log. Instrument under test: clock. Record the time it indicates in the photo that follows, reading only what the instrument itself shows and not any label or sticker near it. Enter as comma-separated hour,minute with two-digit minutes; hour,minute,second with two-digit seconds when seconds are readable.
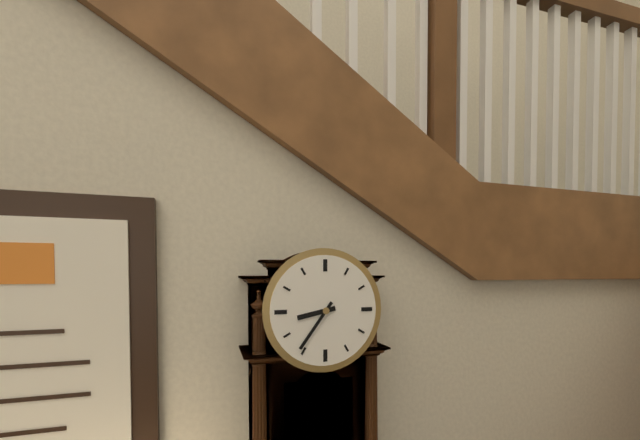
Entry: 8,36
